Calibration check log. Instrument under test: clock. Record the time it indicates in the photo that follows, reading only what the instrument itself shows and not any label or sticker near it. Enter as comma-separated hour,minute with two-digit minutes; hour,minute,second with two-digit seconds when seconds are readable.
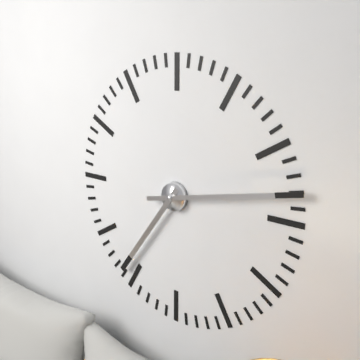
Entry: 7,13
